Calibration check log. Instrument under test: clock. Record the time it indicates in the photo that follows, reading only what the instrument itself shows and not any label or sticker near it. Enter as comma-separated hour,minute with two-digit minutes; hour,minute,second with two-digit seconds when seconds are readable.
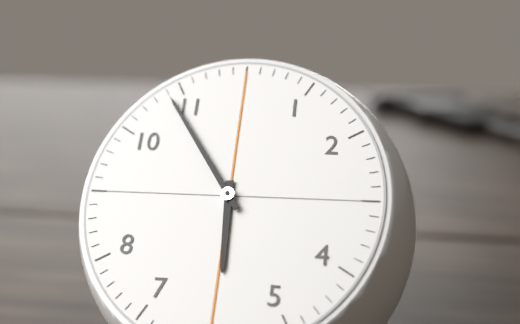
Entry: 5,54
